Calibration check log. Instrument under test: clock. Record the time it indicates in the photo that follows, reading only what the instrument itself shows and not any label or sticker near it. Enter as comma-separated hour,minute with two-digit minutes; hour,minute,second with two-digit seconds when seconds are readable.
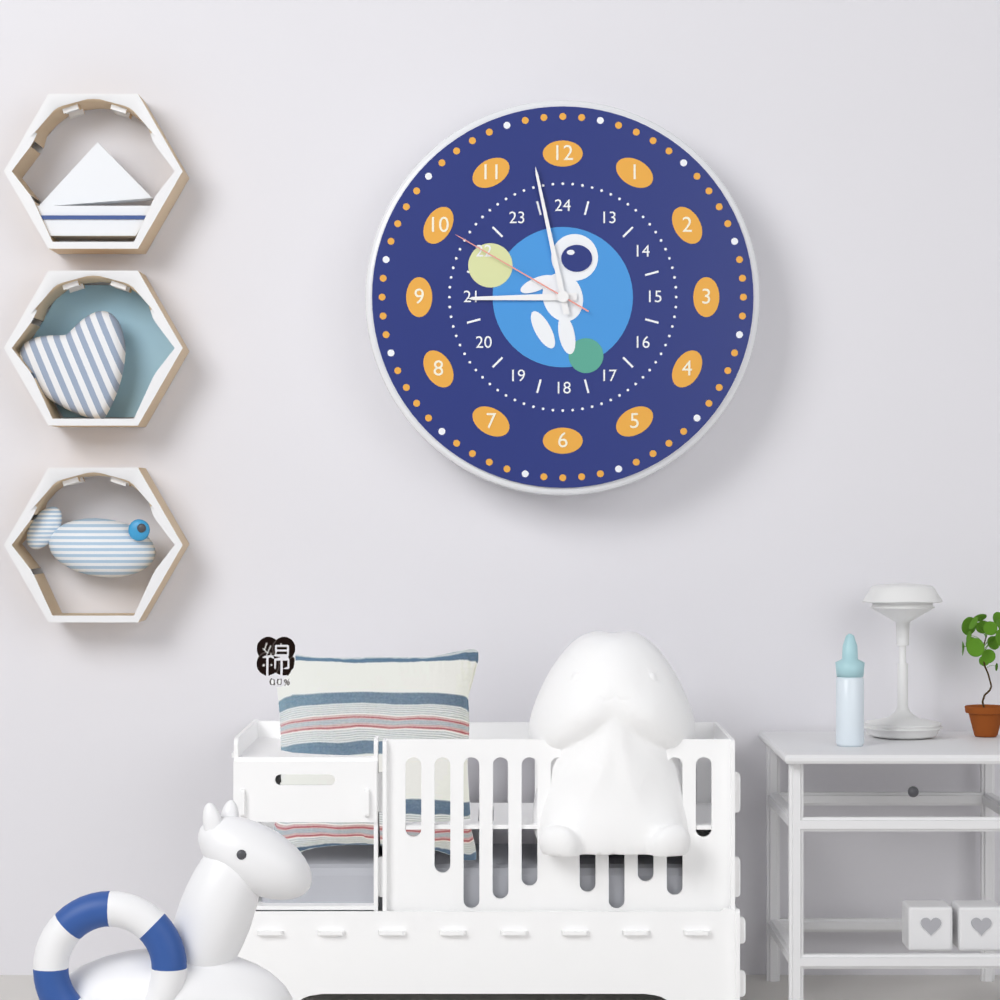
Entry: 8,58,50
